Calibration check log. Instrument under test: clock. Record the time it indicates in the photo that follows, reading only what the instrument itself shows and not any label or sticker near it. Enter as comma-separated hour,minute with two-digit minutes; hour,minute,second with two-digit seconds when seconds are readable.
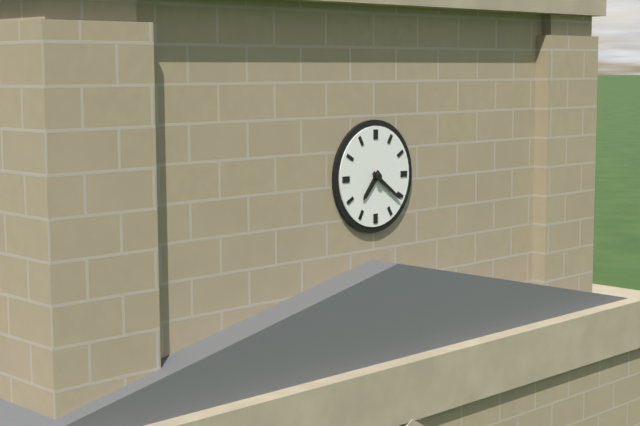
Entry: 7,21
